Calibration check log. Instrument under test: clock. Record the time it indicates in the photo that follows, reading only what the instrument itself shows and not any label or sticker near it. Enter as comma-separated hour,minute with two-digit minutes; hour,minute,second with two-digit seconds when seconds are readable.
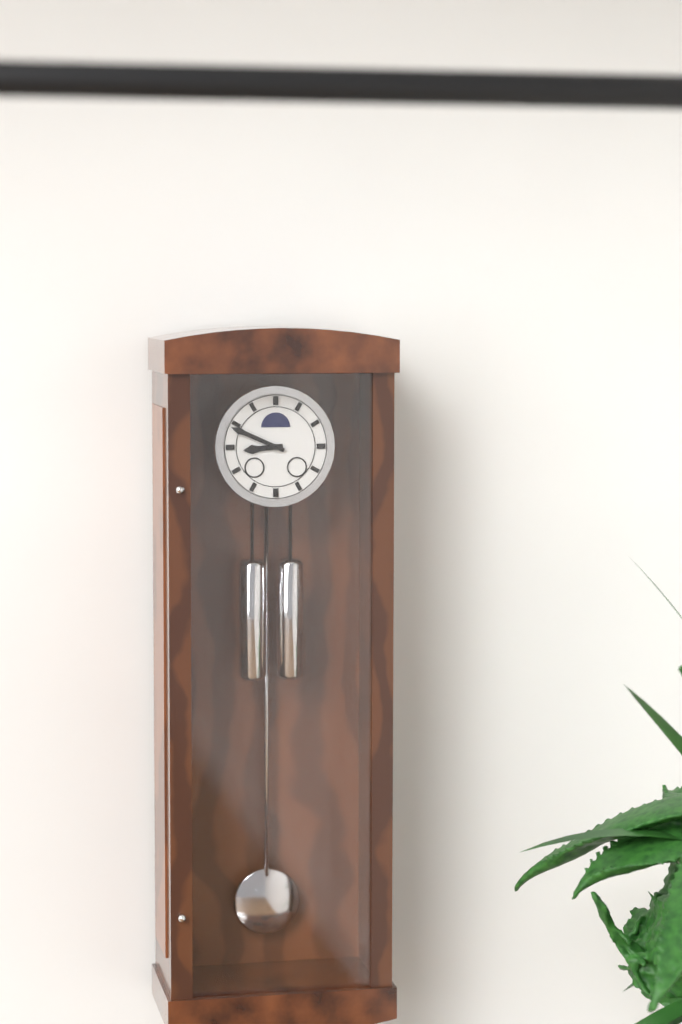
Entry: 8,49
